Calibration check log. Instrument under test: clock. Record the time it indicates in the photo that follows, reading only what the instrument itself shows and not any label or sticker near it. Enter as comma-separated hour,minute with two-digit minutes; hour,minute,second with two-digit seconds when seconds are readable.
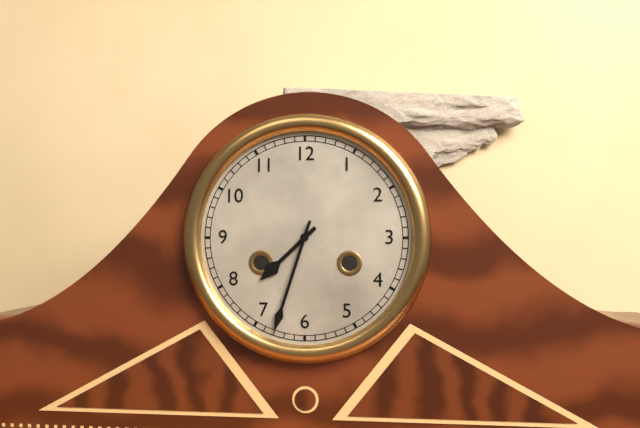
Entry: 7,33
